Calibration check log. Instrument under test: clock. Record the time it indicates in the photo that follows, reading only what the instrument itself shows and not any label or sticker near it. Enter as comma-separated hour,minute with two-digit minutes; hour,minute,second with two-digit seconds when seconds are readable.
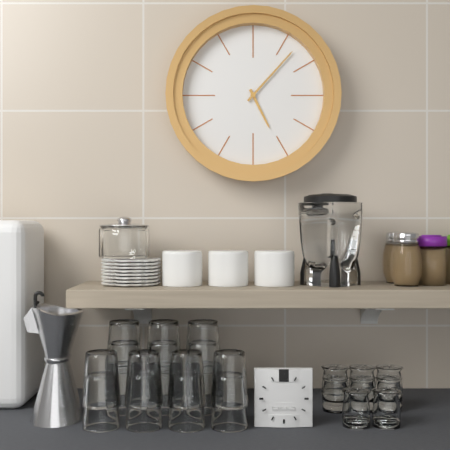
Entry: 5,07
